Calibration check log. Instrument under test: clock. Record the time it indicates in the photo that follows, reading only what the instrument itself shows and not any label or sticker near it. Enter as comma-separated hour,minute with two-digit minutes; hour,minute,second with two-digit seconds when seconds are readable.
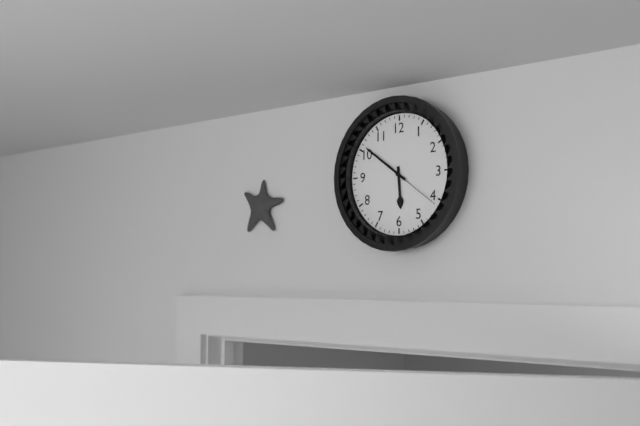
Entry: 5,51,21
